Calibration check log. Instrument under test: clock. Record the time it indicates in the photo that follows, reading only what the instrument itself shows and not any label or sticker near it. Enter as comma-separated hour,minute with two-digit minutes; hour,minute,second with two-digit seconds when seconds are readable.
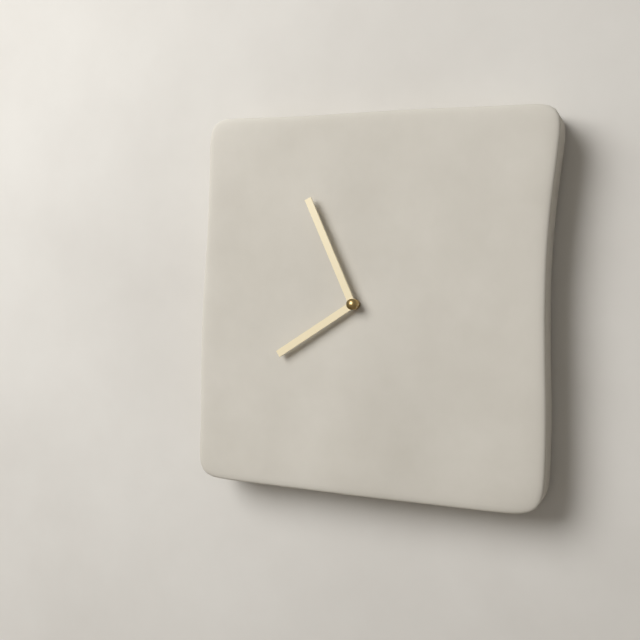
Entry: 7,56
